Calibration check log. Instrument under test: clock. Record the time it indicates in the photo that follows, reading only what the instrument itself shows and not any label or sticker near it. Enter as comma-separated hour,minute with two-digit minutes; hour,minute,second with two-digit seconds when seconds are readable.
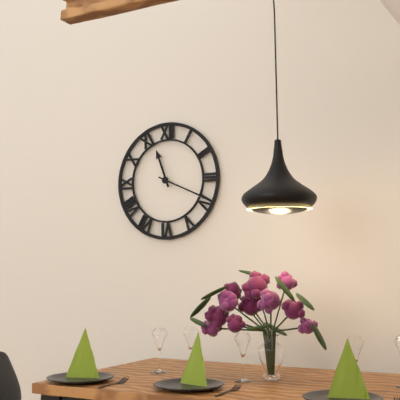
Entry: 11,19
